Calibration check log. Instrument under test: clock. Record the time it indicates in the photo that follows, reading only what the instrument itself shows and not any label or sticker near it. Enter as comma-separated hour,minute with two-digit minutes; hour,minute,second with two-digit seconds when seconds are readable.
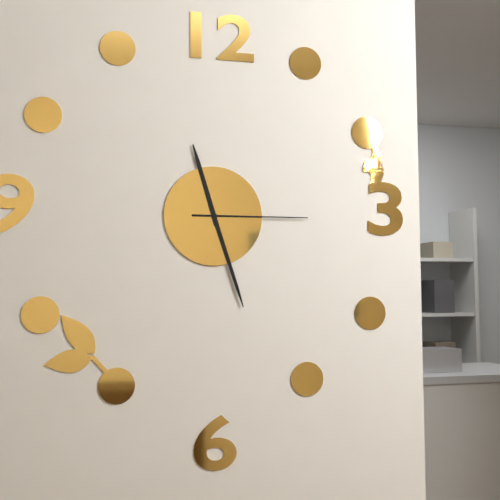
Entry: 11,27,15
